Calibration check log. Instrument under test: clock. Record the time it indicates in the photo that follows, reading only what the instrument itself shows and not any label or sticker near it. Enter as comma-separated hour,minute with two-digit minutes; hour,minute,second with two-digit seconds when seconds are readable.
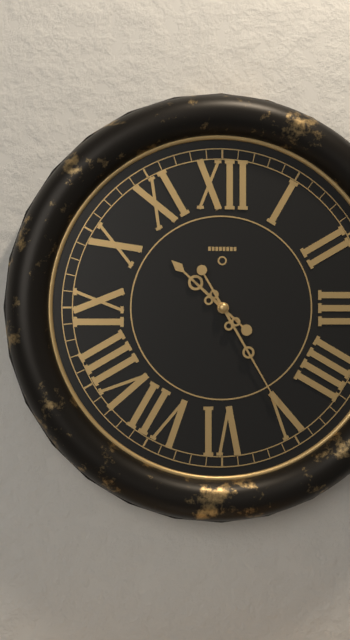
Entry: 10,25
